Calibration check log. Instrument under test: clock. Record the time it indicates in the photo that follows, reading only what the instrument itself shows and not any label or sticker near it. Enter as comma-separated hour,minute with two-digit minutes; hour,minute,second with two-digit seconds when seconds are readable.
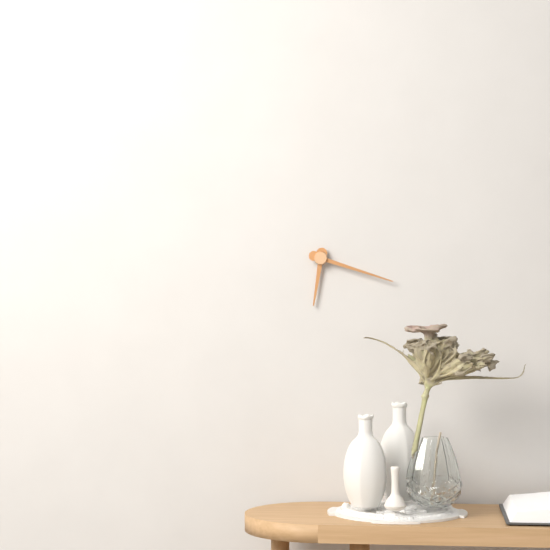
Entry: 6,18
